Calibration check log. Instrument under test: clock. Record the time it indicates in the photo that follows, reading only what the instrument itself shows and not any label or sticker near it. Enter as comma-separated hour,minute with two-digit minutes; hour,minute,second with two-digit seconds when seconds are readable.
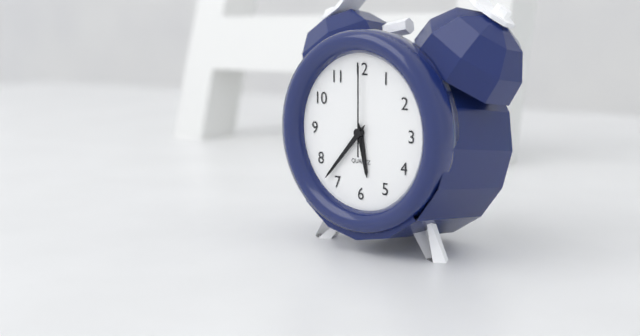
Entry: 5,37,00
